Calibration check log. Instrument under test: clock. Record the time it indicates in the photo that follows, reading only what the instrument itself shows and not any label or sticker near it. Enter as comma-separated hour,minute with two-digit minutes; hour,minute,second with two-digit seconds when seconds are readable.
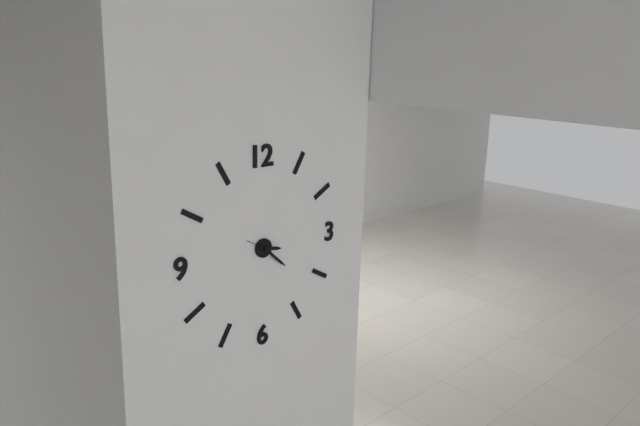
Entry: 3,22
